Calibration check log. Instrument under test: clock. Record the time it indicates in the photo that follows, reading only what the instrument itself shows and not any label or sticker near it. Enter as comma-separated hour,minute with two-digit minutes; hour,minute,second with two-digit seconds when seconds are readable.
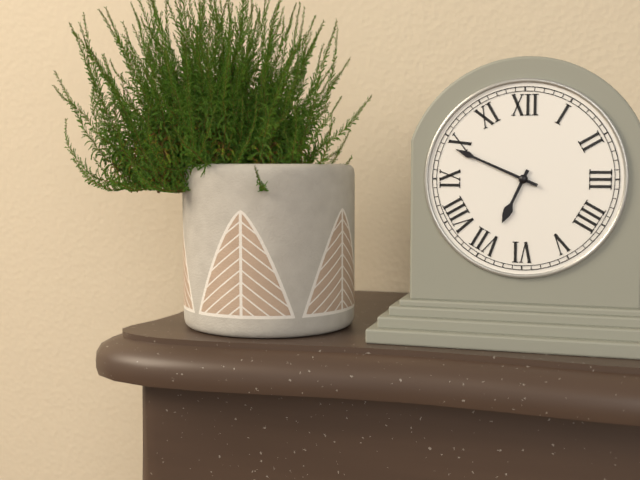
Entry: 6,49
